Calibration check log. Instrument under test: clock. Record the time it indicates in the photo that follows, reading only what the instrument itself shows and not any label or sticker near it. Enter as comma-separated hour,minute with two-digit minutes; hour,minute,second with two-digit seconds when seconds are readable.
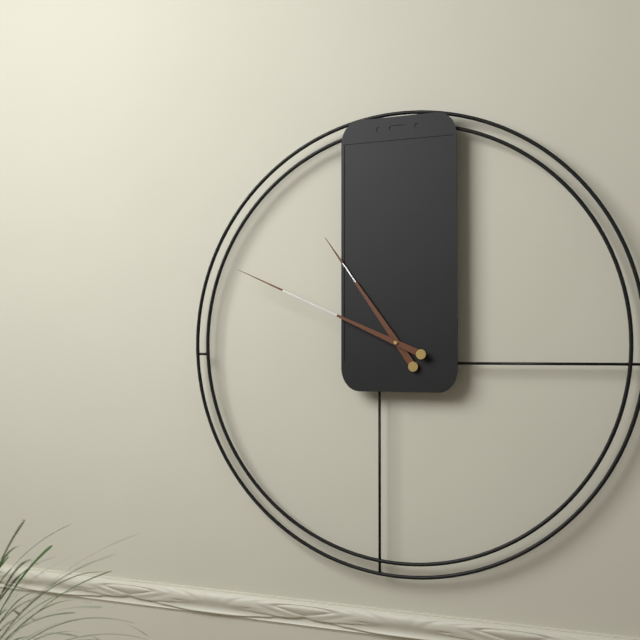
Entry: 10,49
